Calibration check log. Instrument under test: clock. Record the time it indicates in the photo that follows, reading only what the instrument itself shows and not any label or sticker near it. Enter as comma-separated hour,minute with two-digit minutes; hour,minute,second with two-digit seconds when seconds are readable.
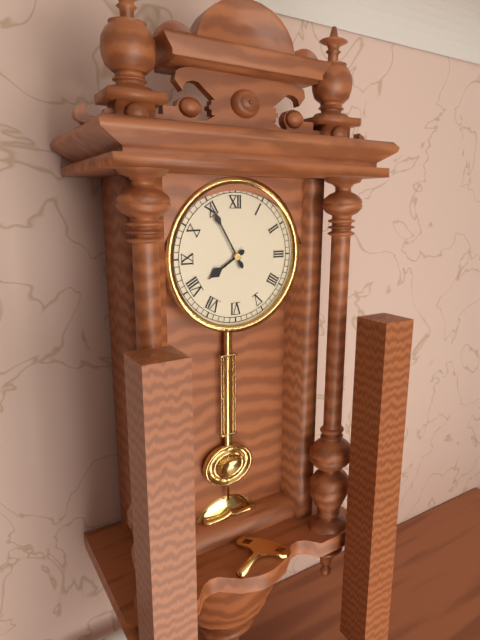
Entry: 7,55
